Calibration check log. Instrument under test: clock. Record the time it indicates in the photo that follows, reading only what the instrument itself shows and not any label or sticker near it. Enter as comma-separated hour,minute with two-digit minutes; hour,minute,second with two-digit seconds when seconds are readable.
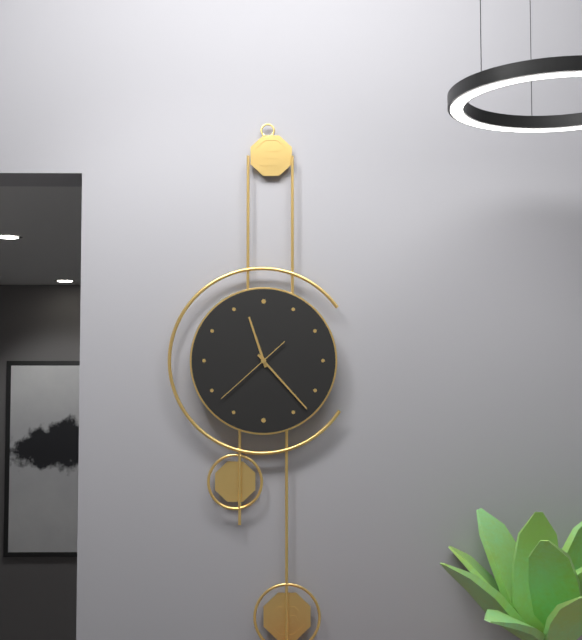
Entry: 11,23,38
